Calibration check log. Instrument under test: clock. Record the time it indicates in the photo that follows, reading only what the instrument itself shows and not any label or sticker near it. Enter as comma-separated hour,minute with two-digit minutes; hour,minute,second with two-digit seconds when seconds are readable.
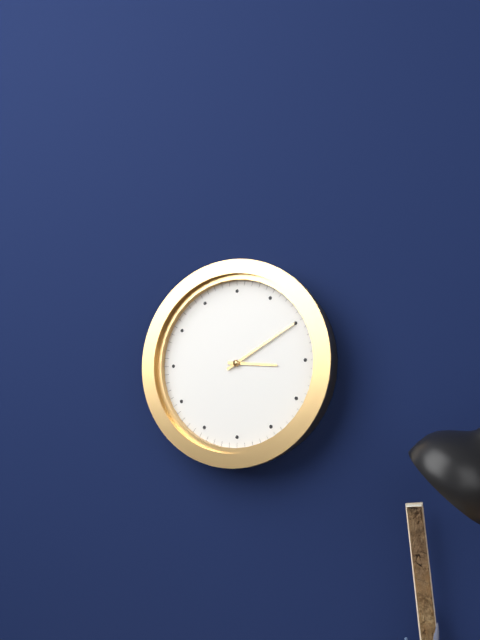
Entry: 3,10
